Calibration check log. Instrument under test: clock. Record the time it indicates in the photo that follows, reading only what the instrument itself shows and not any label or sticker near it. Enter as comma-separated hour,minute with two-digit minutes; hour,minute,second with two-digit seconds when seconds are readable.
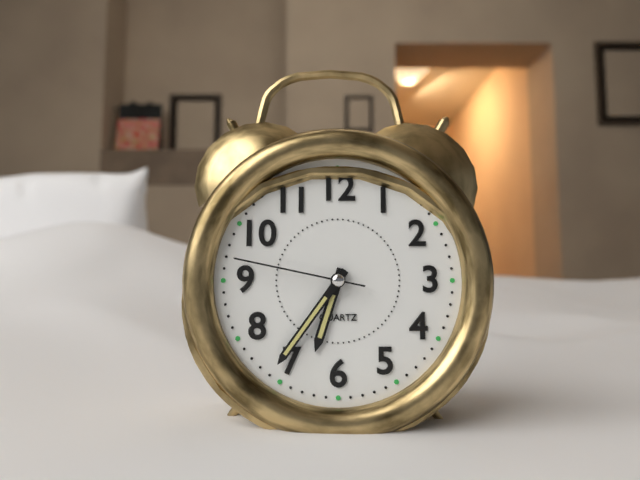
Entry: 6,36,47
